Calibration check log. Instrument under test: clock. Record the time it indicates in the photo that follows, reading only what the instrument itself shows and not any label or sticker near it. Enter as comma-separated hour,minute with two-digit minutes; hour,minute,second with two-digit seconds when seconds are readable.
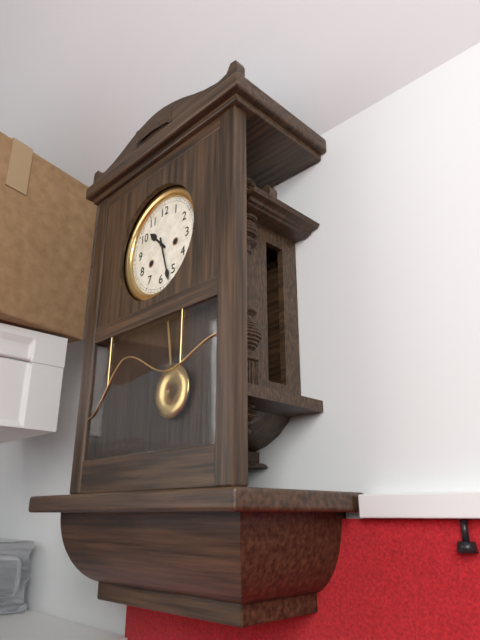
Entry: 10,27
